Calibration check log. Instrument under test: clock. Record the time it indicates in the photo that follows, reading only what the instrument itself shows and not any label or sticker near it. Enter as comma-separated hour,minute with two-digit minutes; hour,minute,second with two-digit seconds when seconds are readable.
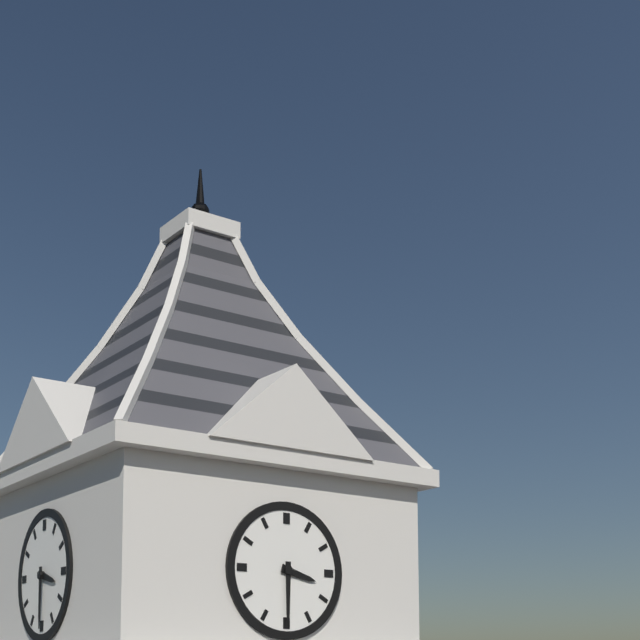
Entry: 3,30
